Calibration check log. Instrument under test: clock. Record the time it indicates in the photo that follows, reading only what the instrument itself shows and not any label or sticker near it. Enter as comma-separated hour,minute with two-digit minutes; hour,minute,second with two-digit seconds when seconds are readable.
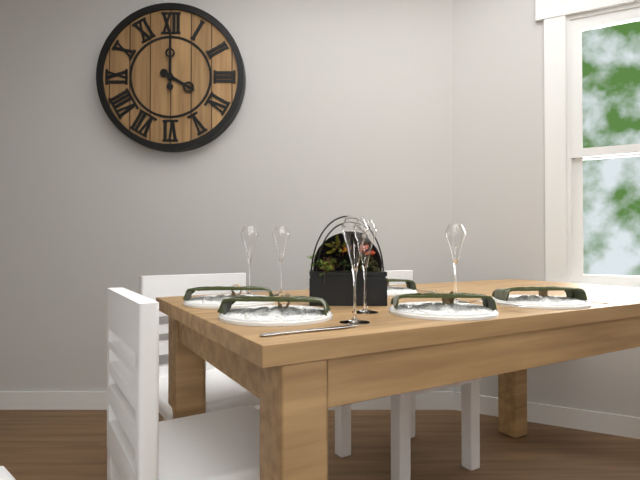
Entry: 4,00
